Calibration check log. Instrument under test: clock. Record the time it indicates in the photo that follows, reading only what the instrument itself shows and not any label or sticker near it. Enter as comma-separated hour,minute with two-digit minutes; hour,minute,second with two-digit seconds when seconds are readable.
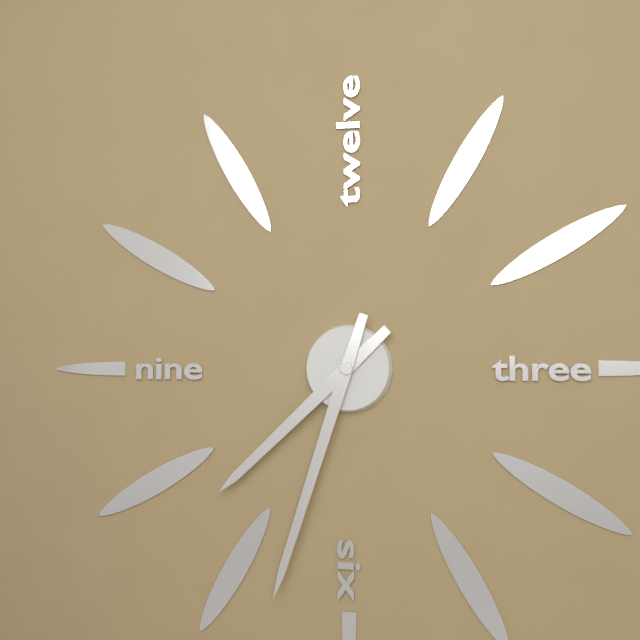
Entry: 7,33
